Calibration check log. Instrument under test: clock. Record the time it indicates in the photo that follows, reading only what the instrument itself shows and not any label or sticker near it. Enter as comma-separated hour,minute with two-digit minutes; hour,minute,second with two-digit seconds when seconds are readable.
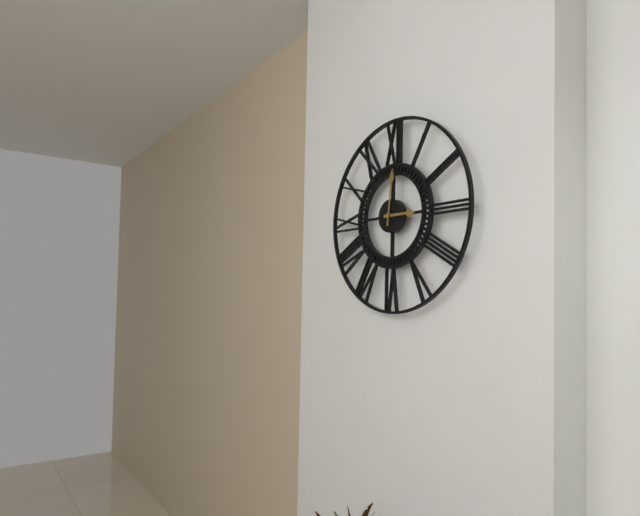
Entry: 3,01
